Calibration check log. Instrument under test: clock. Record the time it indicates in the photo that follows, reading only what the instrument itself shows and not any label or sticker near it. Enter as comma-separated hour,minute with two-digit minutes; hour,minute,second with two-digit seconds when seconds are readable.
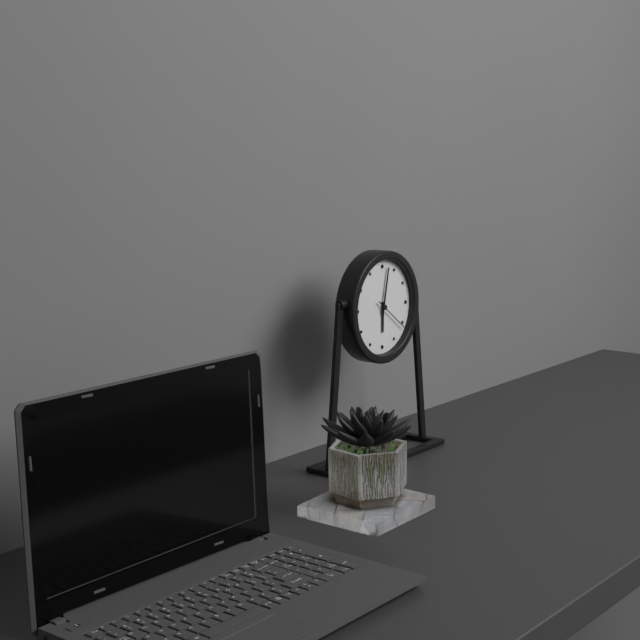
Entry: 6,02
